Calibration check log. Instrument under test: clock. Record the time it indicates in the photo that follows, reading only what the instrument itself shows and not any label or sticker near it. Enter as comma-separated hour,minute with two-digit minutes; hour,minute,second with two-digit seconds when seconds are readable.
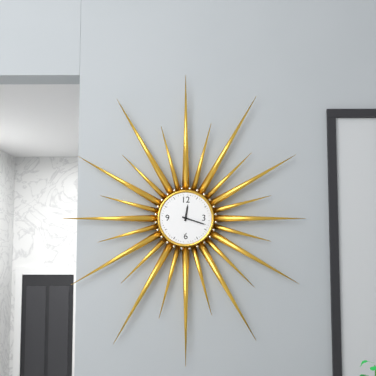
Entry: 12,18
